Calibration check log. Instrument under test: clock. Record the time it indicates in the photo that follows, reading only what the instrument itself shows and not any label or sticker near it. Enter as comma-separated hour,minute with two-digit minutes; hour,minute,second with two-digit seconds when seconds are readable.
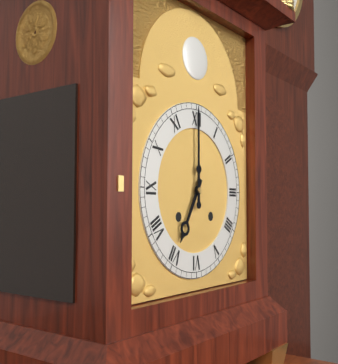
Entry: 7,00
